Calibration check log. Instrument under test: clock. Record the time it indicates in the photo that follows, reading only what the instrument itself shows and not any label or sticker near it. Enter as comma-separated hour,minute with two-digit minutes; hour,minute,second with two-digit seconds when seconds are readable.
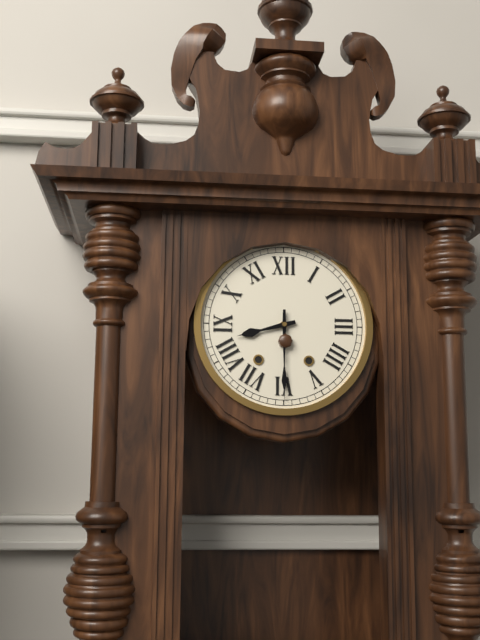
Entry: 8,30
